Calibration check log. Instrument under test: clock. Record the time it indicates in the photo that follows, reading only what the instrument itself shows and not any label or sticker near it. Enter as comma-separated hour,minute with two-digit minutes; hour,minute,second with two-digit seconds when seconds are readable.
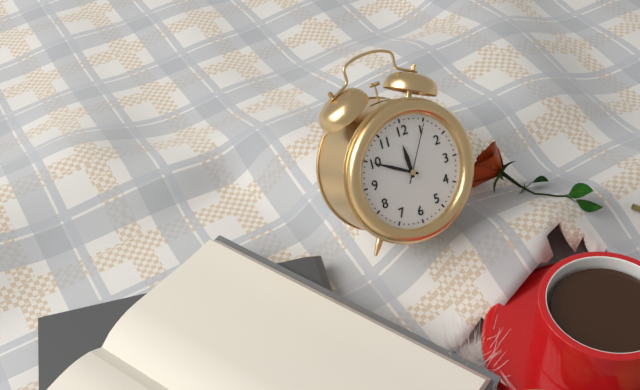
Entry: 11,50,05
